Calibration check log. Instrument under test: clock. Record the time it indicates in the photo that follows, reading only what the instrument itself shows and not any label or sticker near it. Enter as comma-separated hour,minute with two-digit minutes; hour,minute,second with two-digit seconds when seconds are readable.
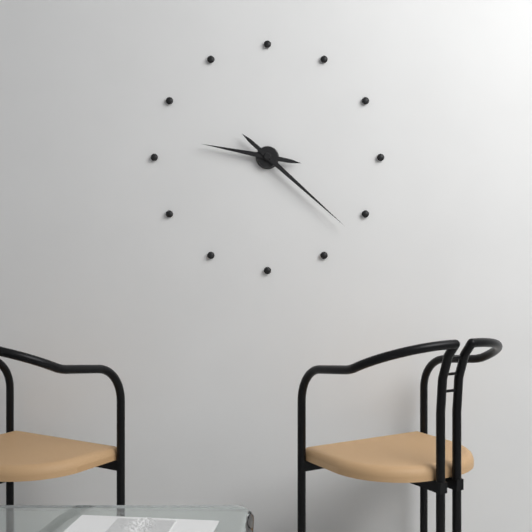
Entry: 9,22
